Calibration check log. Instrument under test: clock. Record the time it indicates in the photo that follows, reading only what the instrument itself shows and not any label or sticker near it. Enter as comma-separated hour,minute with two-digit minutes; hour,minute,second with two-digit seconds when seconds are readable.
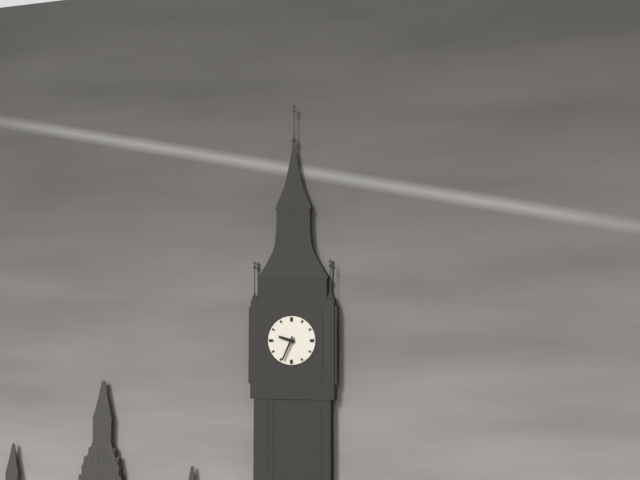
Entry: 9,34
